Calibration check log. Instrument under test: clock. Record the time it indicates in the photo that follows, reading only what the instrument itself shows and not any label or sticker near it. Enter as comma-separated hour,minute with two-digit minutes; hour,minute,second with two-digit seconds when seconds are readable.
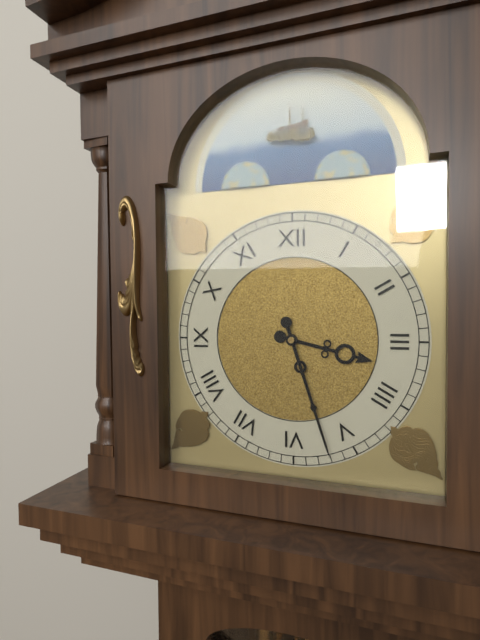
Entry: 3,27
